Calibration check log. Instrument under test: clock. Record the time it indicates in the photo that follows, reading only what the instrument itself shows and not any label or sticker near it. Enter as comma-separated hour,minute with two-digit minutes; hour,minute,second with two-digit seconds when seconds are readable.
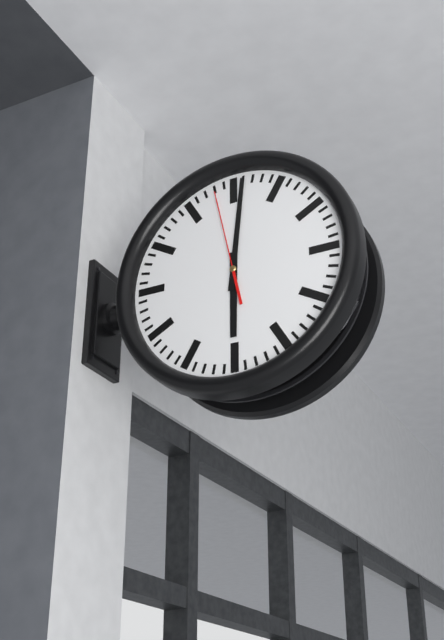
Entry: 6,01,58
